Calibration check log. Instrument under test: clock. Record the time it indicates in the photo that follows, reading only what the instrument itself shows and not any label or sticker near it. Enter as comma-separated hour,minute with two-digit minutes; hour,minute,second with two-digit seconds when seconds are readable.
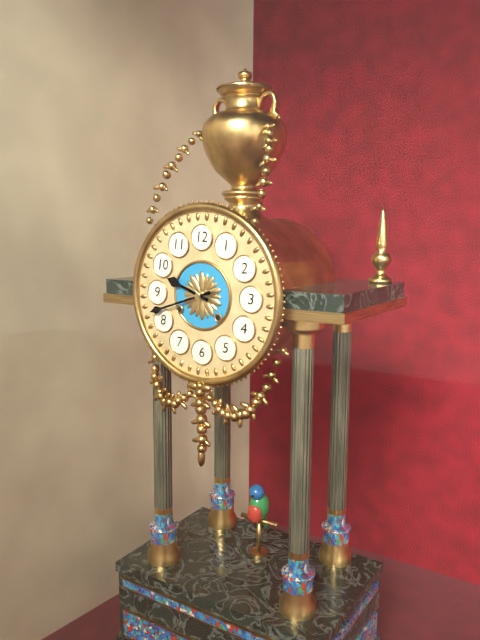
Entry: 9,42
